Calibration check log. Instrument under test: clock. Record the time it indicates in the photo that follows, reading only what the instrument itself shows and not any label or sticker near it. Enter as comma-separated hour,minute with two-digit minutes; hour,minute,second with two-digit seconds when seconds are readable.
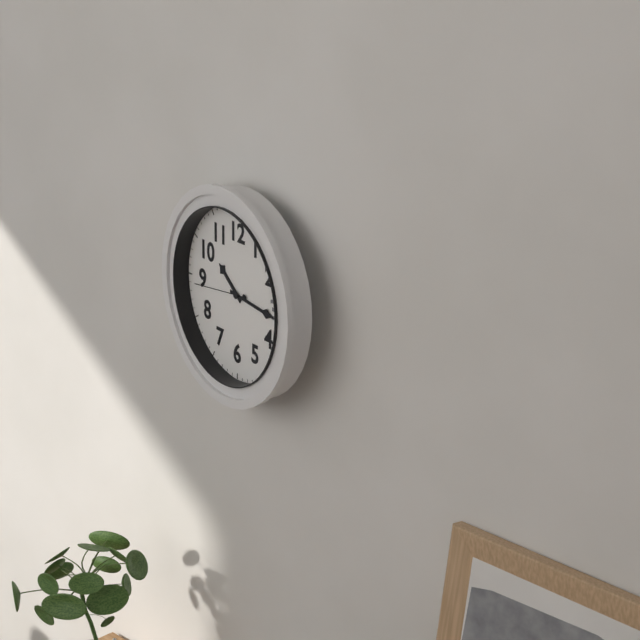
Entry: 10,16,44
